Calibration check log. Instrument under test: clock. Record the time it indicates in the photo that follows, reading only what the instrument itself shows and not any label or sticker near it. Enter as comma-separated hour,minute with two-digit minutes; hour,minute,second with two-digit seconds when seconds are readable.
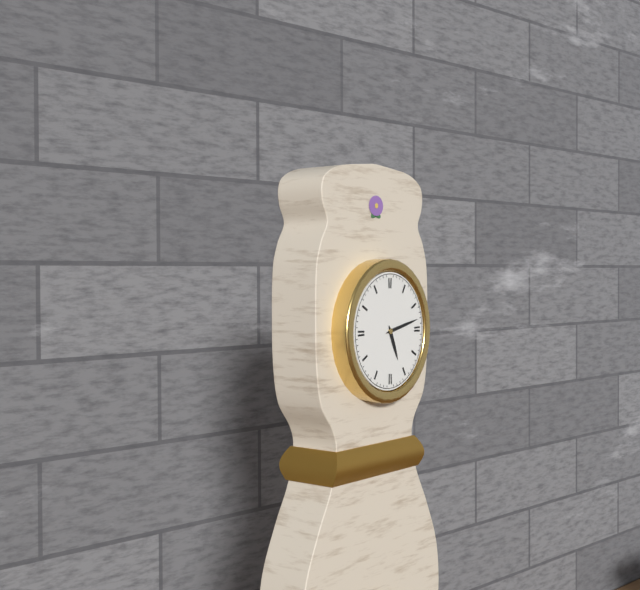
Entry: 5,13
